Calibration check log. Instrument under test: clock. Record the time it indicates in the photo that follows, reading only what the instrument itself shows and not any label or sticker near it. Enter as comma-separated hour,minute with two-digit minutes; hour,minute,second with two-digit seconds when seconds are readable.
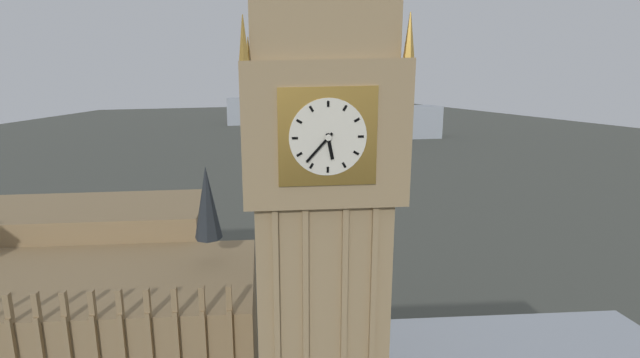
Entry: 5,37
